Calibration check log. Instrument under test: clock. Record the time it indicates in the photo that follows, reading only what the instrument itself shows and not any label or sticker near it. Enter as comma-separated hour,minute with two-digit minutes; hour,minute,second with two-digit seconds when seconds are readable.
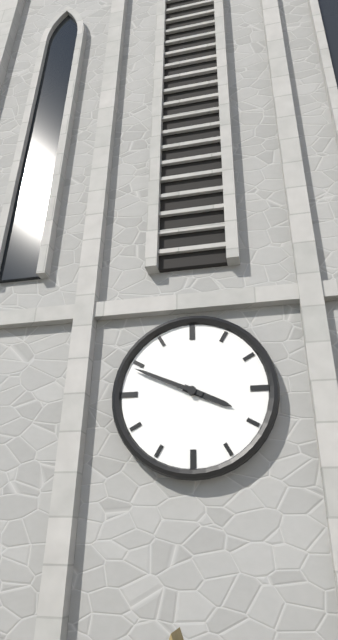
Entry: 3,49
